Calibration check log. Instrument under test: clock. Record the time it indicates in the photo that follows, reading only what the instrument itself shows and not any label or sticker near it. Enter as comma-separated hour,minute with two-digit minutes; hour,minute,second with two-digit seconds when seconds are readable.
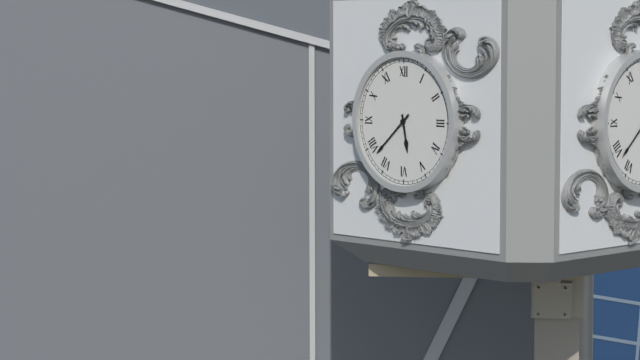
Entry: 5,38
